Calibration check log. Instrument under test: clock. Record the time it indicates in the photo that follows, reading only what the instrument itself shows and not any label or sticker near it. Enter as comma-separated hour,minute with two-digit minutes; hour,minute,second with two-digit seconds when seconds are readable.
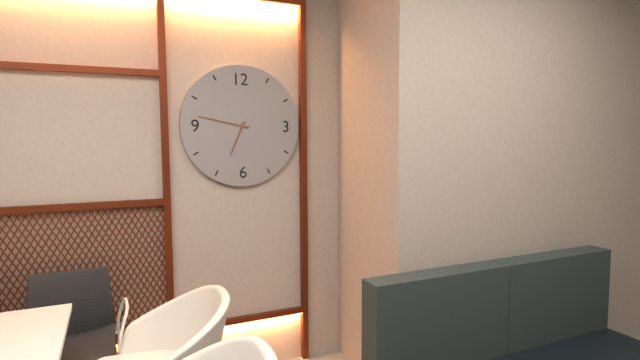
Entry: 6,47
